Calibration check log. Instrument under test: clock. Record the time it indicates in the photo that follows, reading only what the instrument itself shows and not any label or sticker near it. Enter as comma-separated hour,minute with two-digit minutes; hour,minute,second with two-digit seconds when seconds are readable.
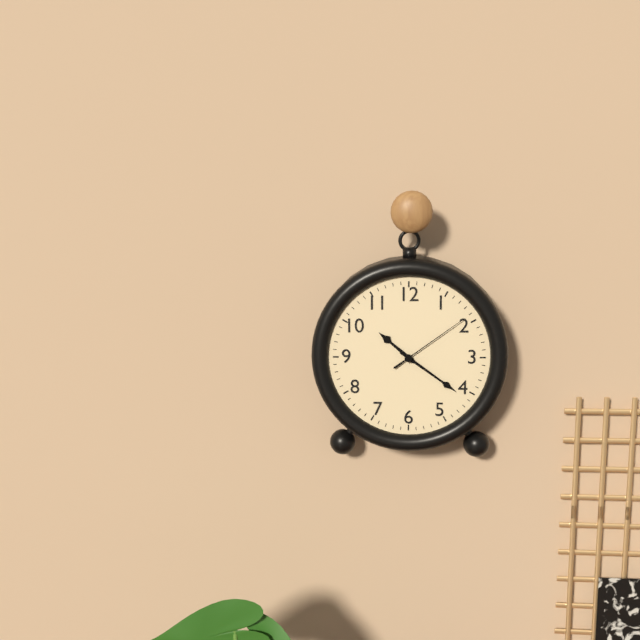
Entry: 10,21,09
